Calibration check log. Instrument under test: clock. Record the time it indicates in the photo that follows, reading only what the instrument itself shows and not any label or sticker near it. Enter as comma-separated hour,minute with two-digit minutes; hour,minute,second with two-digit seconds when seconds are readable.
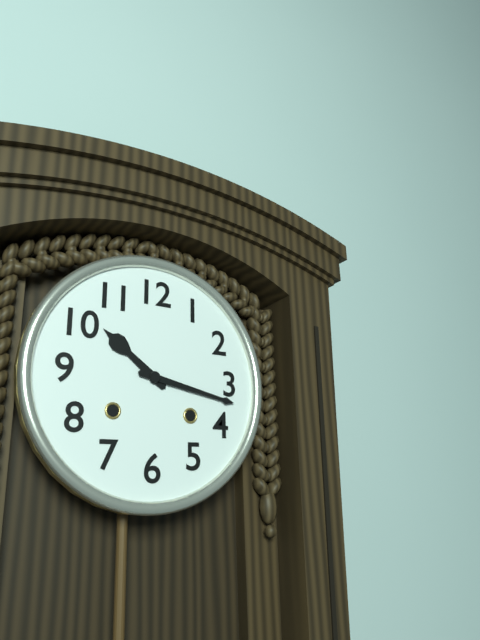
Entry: 10,17
